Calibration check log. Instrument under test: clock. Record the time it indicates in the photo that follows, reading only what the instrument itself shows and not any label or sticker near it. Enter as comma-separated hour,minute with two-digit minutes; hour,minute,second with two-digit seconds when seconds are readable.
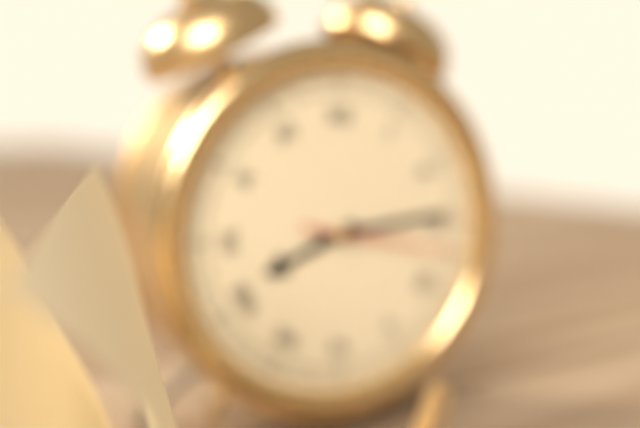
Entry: 8,14,17
